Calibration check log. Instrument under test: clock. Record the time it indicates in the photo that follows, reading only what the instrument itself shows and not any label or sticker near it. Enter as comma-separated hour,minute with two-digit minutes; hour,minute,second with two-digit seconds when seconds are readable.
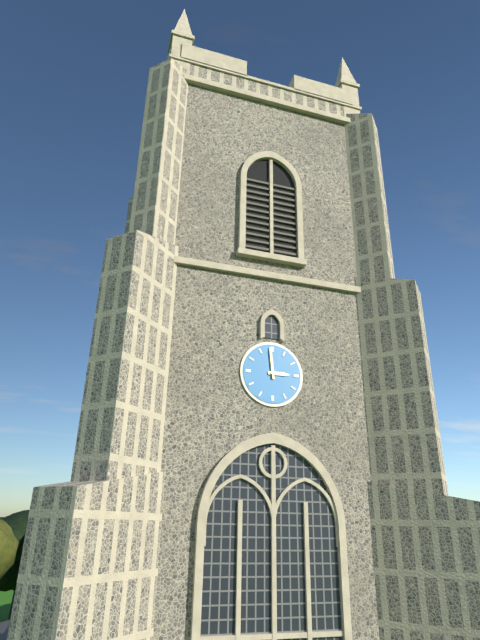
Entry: 2,59
